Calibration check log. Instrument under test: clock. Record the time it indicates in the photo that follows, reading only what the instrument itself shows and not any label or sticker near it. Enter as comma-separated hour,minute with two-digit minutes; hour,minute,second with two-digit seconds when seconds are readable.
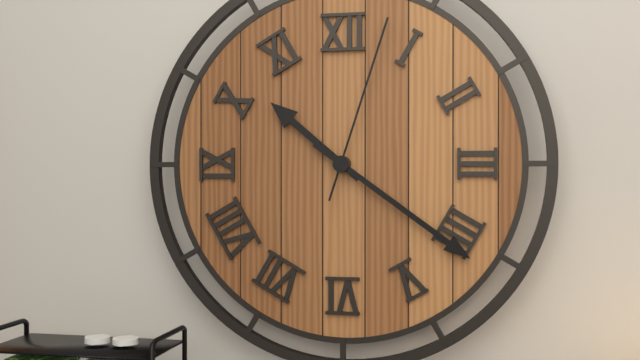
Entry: 10,21,03
